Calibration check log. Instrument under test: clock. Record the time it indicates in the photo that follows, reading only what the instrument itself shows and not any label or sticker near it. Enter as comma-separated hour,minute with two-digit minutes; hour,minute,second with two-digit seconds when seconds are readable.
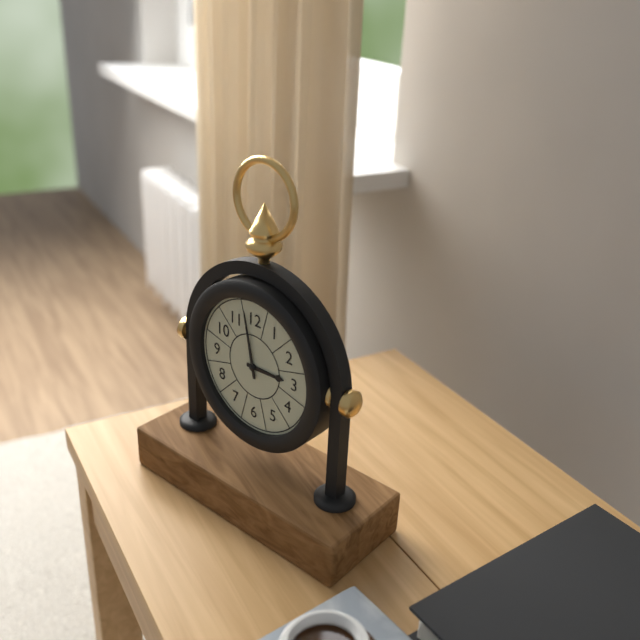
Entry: 2,58
